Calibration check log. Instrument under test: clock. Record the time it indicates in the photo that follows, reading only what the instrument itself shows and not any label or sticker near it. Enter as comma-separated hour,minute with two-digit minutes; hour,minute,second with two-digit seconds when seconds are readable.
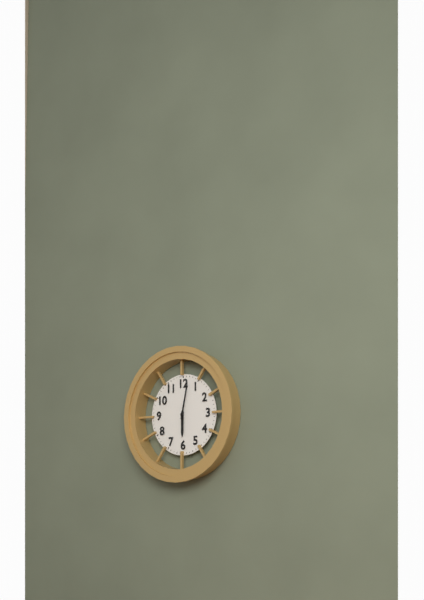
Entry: 6,02
